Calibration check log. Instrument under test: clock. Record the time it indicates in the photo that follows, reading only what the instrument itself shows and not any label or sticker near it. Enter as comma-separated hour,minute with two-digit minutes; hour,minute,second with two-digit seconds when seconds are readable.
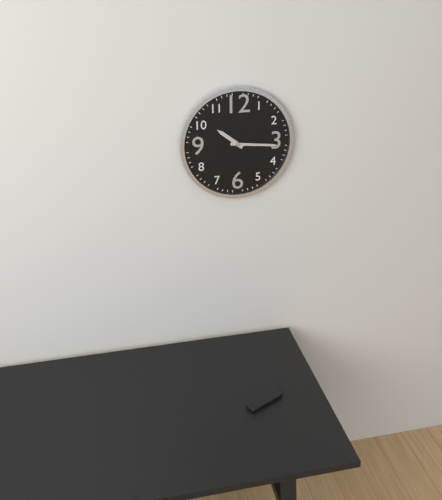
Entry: 10,16
